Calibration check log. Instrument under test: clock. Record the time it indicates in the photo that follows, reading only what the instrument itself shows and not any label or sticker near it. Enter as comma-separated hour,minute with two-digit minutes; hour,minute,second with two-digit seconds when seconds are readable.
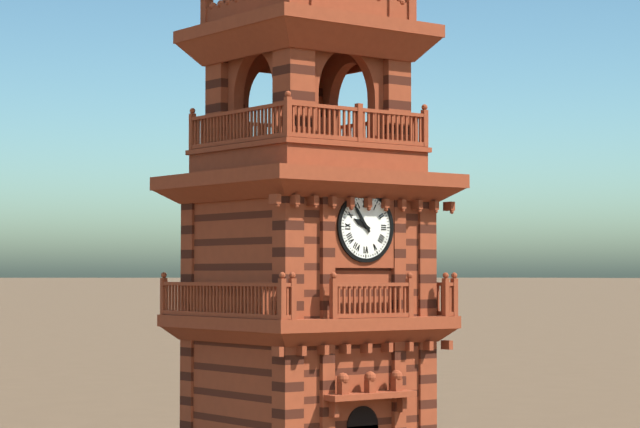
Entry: 9,54
